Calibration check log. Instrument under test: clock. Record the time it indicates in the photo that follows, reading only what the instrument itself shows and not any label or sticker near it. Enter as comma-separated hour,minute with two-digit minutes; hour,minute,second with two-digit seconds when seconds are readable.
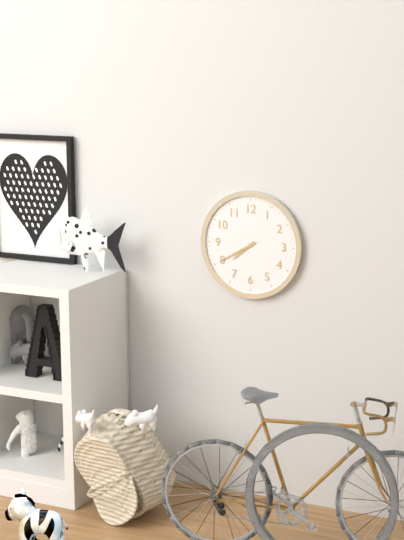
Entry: 7,40
